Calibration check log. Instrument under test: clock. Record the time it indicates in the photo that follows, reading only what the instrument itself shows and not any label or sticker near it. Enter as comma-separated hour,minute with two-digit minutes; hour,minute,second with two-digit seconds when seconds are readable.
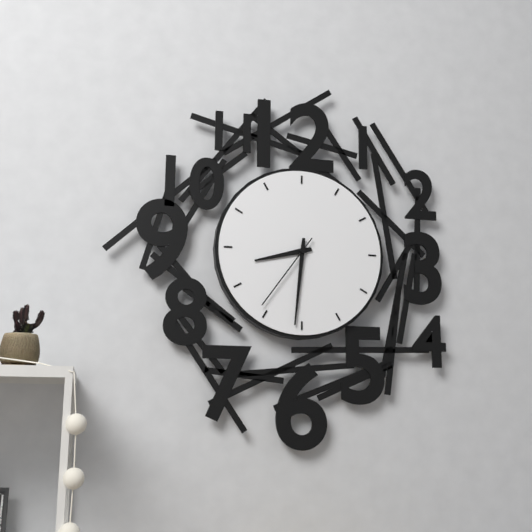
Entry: 8,31,36
